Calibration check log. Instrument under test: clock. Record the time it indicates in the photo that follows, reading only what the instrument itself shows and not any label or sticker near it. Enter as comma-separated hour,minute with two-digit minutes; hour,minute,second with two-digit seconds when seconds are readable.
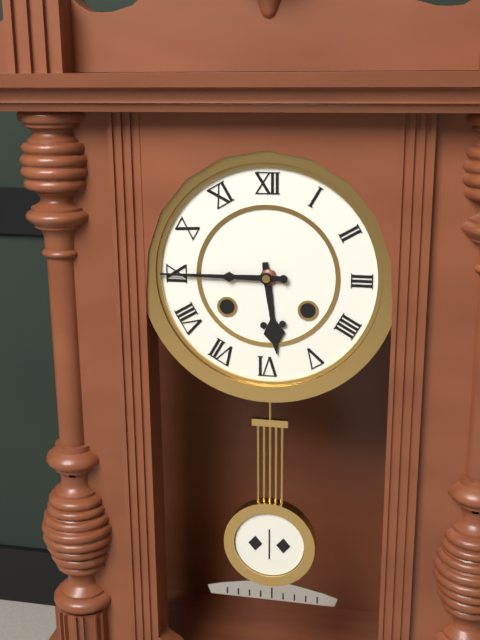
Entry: 5,45
